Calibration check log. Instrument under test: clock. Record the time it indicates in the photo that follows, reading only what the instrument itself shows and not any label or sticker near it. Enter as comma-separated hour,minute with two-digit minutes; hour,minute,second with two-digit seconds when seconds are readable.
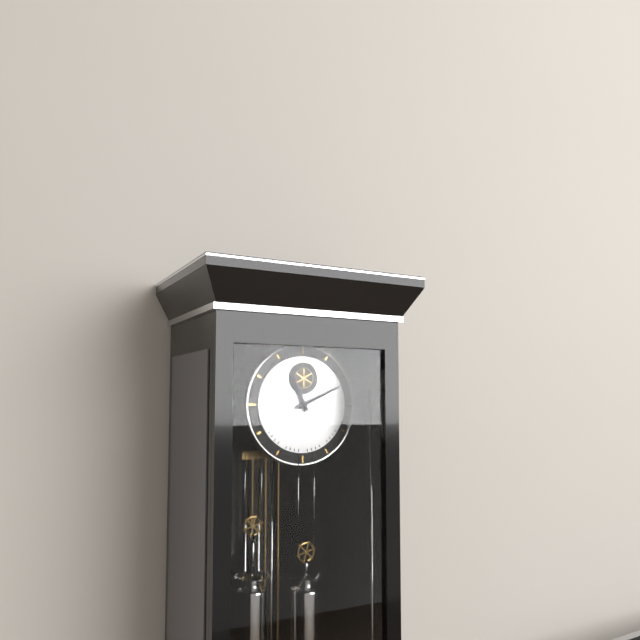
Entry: 11,11
